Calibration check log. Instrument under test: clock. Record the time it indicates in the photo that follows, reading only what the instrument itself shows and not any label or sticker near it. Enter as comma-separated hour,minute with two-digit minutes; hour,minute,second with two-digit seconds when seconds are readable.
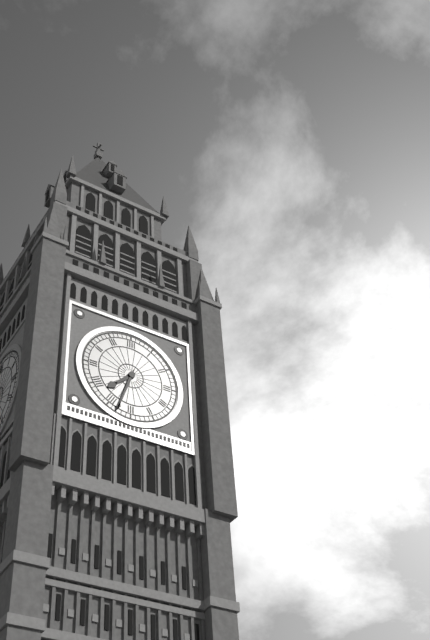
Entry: 7,33
